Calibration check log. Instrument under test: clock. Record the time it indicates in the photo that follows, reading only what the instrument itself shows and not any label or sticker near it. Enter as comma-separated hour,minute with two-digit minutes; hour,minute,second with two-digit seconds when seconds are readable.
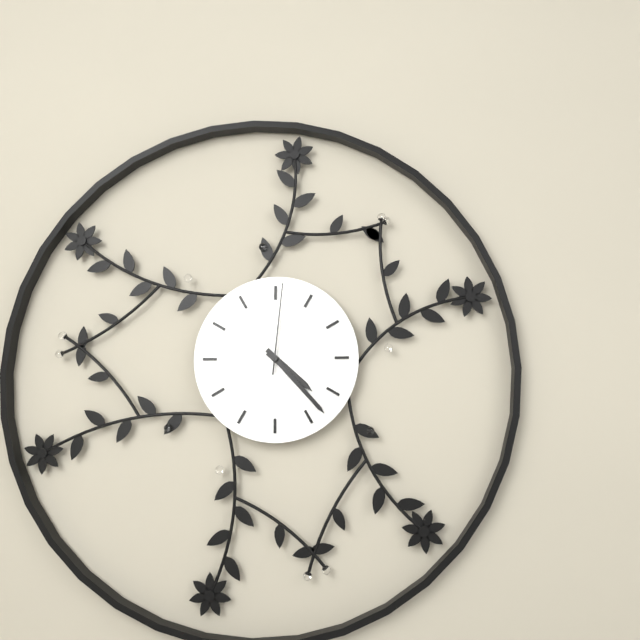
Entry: 4,23,01
